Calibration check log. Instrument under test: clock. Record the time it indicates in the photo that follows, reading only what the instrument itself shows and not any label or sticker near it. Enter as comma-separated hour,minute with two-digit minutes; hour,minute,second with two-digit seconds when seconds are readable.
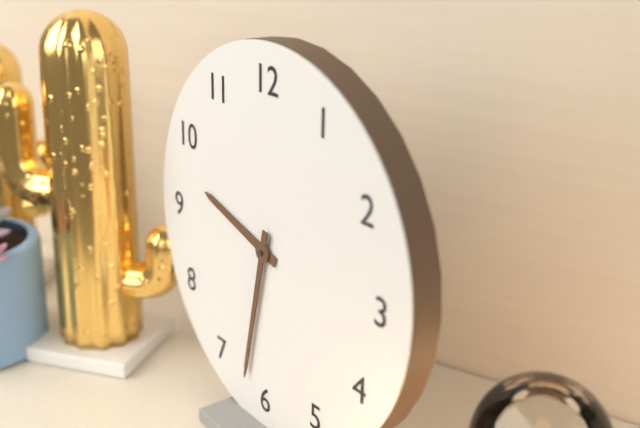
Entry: 9,32
